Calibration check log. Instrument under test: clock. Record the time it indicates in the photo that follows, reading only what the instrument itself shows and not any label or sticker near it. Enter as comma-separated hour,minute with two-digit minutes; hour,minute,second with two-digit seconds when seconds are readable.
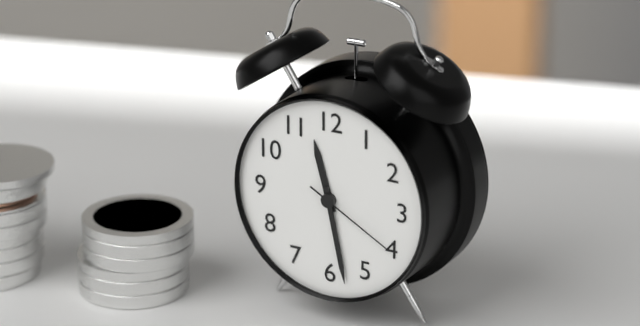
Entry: 11,28,20
